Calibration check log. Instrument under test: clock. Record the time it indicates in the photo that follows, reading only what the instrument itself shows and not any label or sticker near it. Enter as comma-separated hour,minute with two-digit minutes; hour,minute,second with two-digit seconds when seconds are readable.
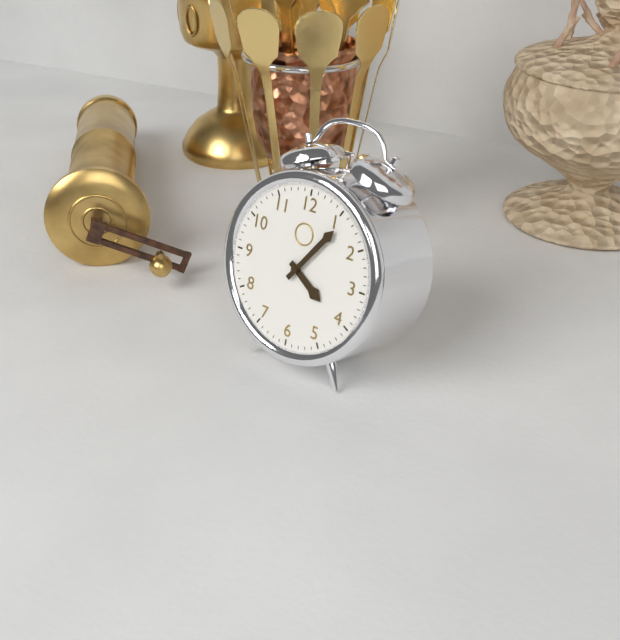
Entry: 4,06
